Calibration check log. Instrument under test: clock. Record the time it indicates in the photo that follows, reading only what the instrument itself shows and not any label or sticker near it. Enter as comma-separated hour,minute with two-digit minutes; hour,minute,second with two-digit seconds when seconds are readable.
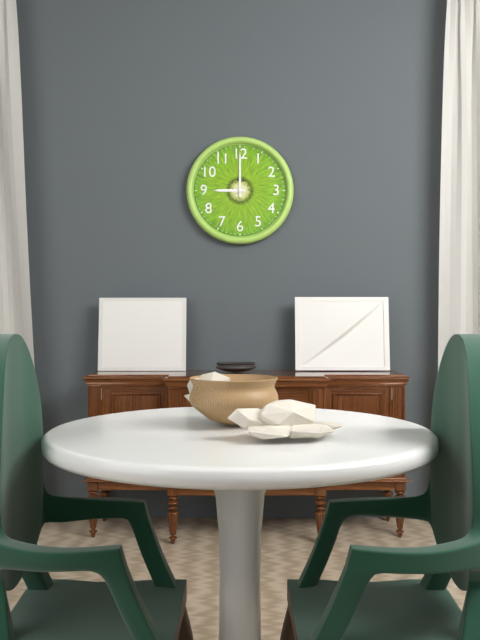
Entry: 9,00
